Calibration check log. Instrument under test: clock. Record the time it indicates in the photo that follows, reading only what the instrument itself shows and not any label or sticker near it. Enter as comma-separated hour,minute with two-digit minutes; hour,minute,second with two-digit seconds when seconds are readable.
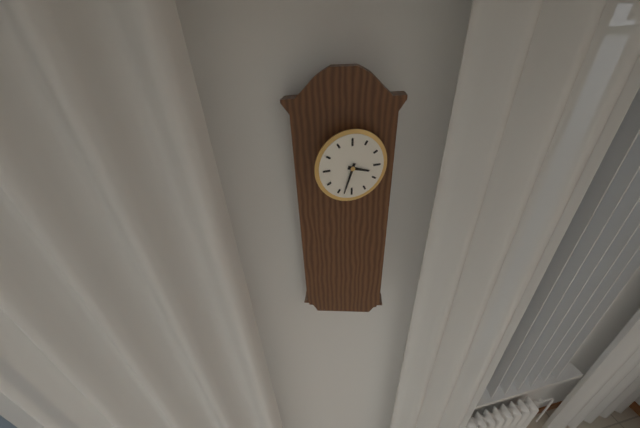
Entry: 3,33
